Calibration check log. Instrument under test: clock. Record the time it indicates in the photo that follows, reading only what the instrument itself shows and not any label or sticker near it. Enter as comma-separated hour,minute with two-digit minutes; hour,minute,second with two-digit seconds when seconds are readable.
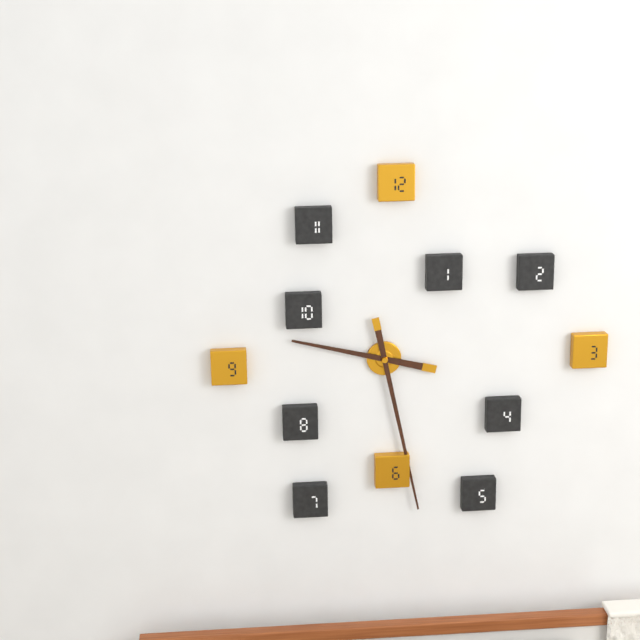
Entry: 9,28
